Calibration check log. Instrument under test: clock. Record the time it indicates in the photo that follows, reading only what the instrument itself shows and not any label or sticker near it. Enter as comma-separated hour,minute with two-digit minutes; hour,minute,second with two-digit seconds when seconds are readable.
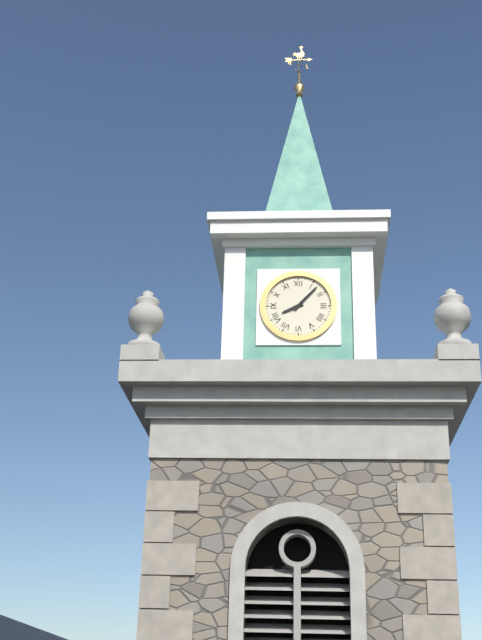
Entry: 8,07
